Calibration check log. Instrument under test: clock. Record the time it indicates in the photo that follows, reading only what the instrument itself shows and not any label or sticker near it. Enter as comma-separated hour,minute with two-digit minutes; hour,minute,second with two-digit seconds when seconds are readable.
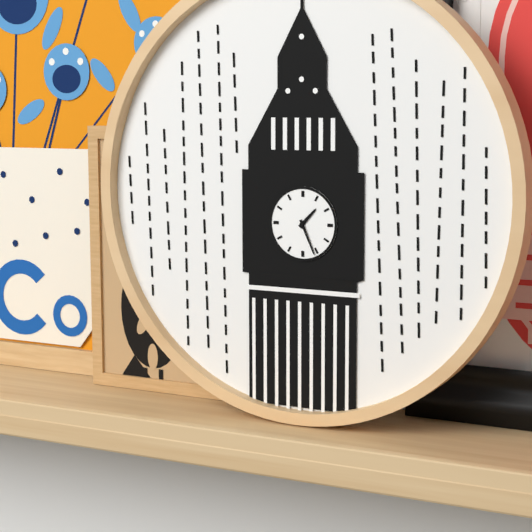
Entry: 1,26
